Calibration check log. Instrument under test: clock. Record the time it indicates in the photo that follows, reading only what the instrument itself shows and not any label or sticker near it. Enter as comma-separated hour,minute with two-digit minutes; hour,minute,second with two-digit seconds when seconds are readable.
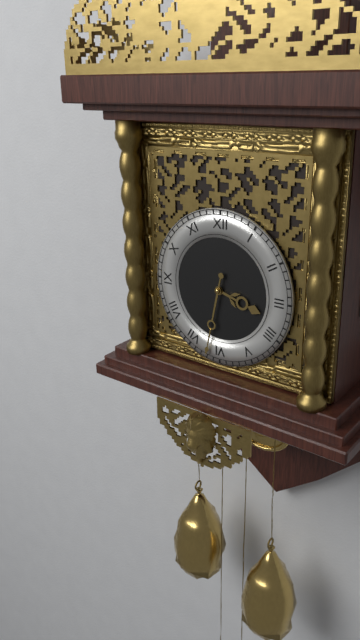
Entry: 3,32
